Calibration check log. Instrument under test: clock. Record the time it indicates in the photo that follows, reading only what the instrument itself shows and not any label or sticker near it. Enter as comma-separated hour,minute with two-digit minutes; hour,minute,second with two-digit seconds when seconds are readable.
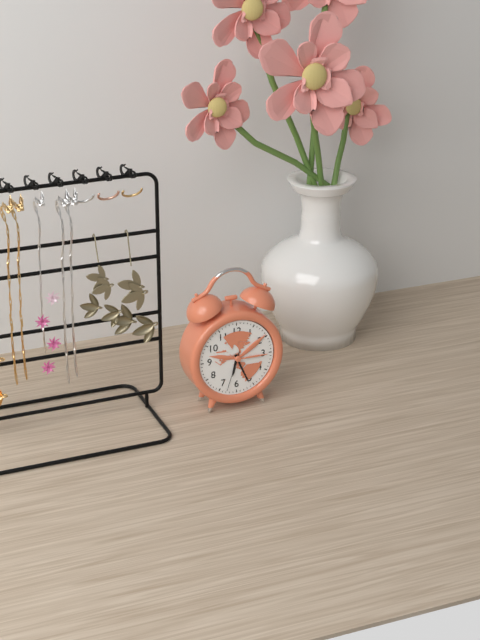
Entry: 6,26
